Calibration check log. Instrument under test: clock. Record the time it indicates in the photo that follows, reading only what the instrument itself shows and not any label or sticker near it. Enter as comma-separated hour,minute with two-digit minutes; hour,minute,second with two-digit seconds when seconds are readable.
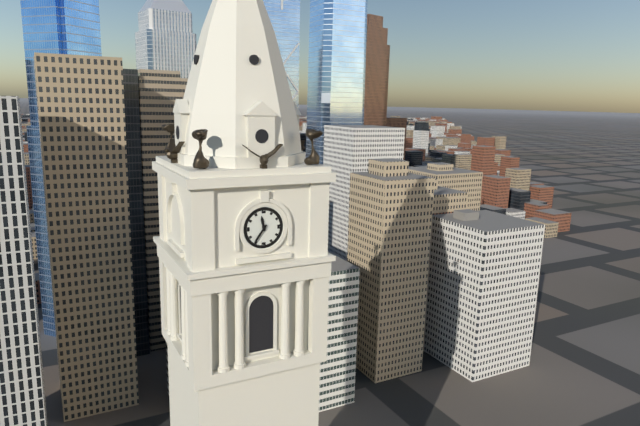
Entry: 11,36
